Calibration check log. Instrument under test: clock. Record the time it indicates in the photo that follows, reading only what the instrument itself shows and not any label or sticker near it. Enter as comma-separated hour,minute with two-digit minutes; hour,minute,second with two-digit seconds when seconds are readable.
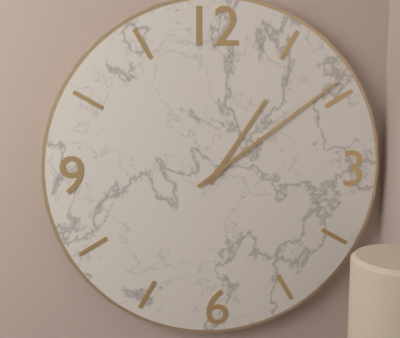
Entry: 1,09
